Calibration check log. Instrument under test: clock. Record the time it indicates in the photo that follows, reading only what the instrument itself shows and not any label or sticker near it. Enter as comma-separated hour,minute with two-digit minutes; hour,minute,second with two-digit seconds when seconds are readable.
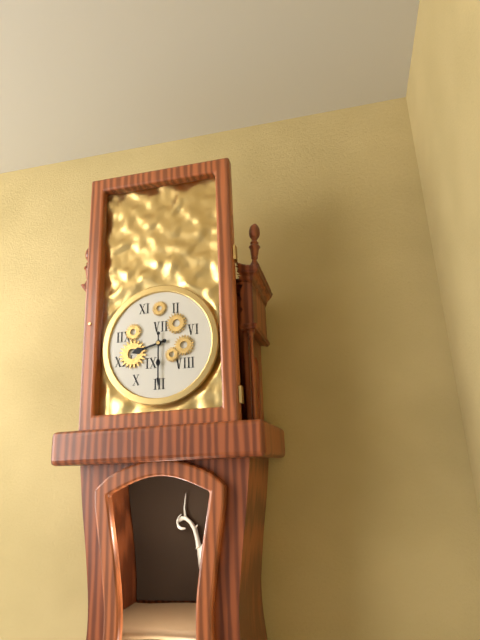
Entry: 8,30
